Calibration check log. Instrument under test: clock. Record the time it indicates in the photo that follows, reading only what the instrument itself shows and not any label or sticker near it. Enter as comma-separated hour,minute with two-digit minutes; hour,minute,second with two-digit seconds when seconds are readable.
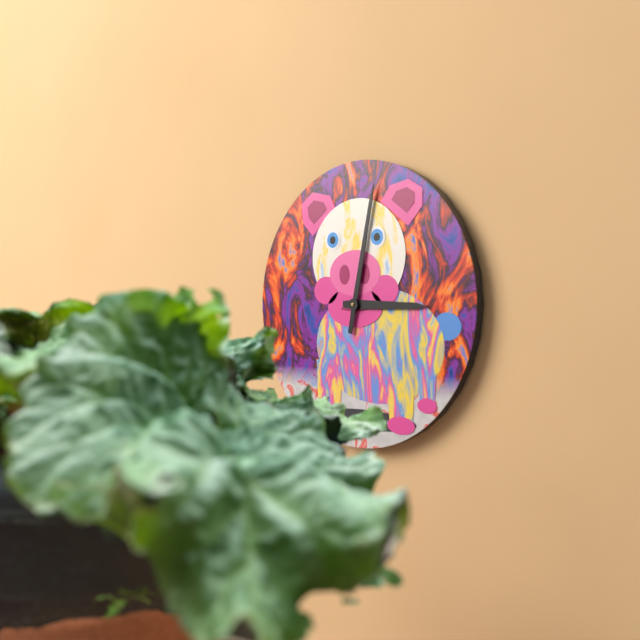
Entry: 3,02
